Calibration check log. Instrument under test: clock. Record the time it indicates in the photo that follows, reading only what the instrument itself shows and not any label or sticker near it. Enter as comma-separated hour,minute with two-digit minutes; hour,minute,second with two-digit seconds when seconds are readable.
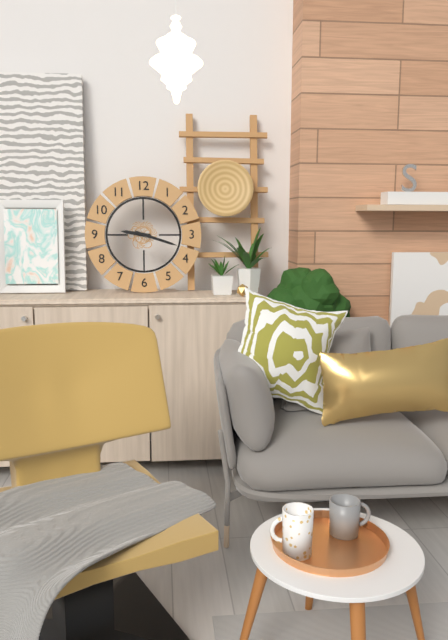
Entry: 9,18
